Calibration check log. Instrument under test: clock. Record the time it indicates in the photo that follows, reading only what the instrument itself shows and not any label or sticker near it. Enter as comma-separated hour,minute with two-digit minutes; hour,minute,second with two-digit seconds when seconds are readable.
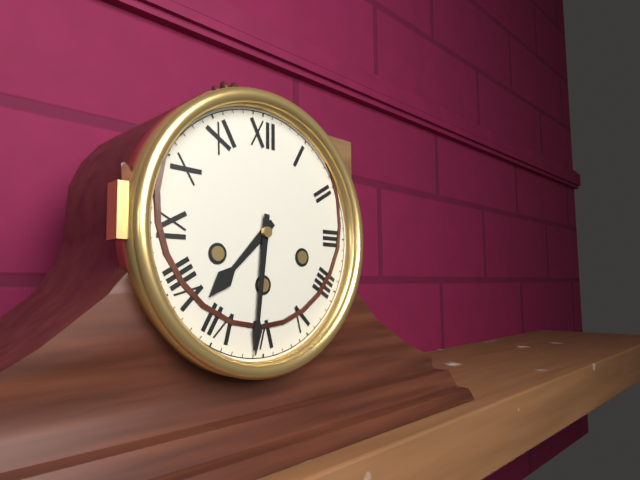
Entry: 7,31
